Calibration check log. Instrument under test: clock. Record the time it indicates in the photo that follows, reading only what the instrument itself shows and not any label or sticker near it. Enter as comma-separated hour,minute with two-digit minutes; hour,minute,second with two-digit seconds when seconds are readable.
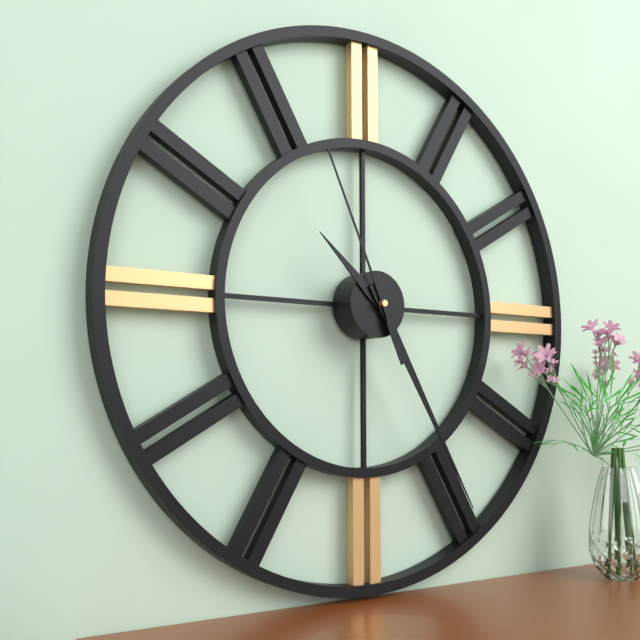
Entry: 10,25,56
